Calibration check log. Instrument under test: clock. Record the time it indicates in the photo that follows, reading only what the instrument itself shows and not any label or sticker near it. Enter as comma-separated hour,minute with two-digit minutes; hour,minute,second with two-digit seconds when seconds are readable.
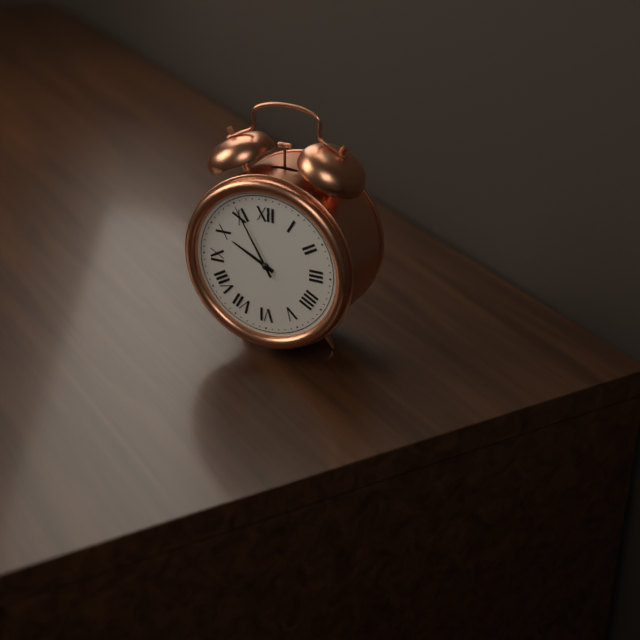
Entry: 9,55
